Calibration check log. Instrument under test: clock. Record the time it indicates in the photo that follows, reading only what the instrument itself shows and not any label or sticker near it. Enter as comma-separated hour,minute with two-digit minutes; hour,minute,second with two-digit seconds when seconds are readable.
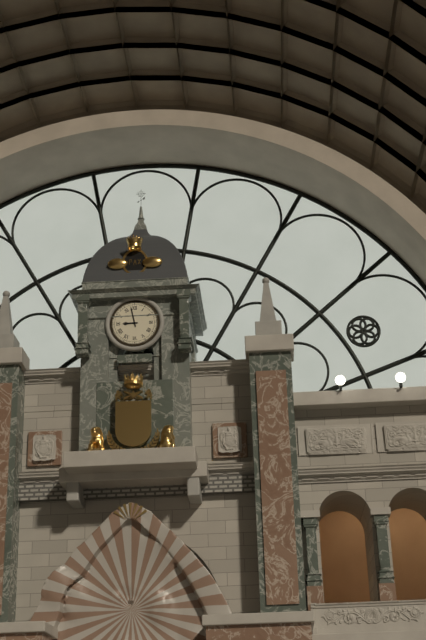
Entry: 8,58
